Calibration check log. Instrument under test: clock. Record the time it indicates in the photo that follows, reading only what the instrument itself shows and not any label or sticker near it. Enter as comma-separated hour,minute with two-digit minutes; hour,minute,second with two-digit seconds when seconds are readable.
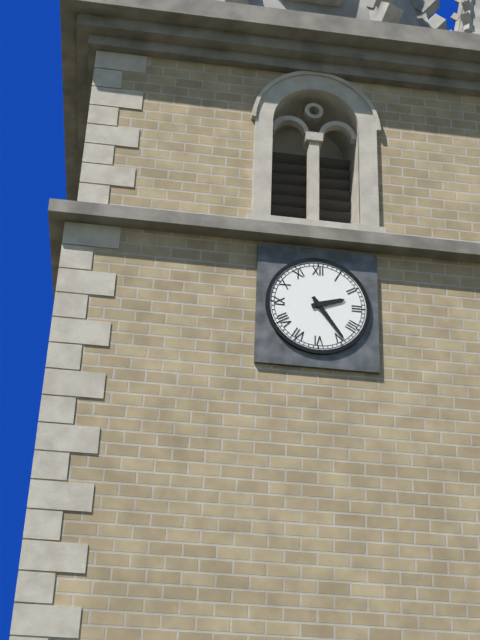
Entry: 2,24
